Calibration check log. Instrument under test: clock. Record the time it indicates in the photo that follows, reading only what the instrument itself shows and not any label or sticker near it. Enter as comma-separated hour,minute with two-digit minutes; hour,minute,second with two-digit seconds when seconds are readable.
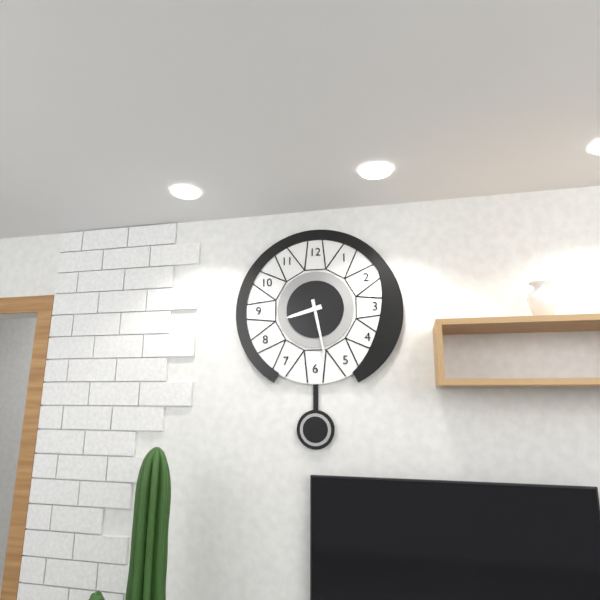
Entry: 8,28
